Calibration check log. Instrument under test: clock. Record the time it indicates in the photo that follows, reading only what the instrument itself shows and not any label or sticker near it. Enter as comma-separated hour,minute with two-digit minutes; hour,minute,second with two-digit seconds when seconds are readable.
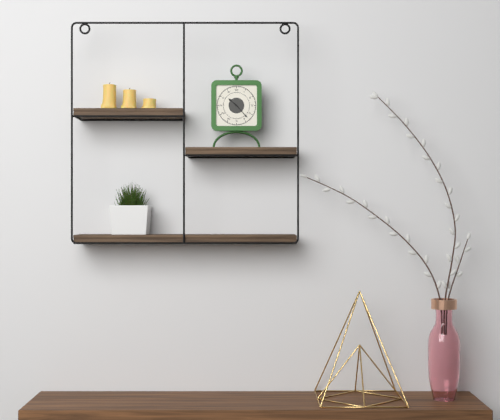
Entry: 10,23
